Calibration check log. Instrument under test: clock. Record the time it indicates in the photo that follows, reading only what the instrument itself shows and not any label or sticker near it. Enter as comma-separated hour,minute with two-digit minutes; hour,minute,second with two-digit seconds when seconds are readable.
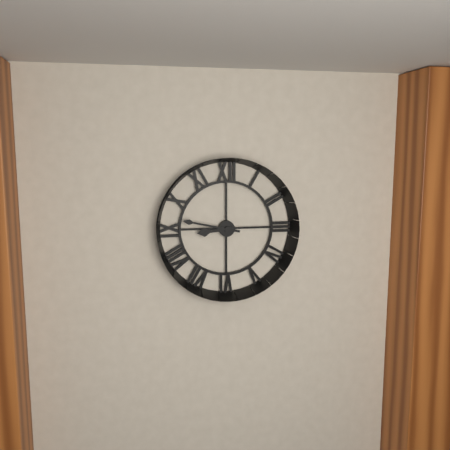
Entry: 8,47
